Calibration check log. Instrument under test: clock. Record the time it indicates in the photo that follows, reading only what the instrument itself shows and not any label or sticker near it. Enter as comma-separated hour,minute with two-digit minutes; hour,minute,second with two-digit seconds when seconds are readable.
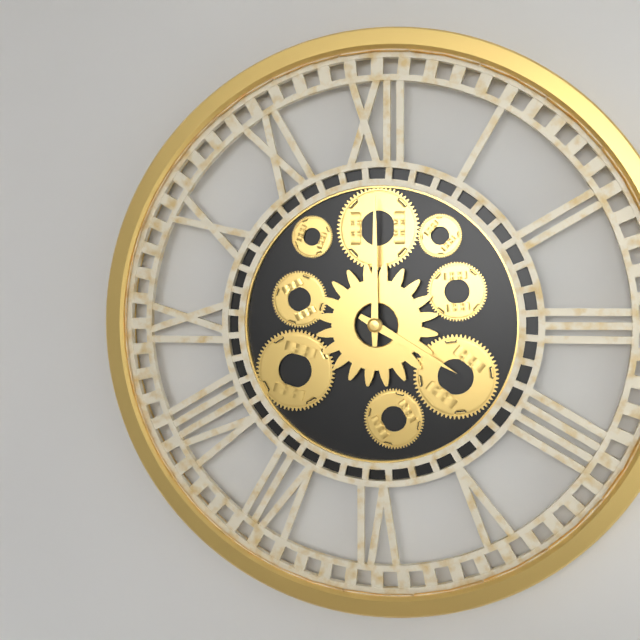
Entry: 4,00
